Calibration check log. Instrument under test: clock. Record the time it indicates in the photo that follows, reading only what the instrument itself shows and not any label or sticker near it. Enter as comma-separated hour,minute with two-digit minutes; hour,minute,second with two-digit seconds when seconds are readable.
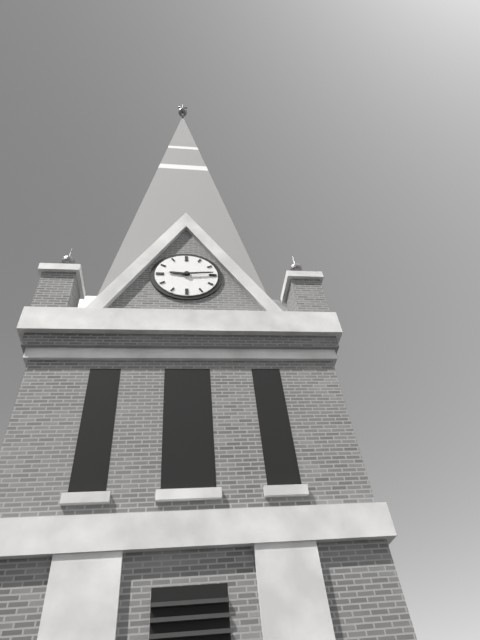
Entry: 9,14
